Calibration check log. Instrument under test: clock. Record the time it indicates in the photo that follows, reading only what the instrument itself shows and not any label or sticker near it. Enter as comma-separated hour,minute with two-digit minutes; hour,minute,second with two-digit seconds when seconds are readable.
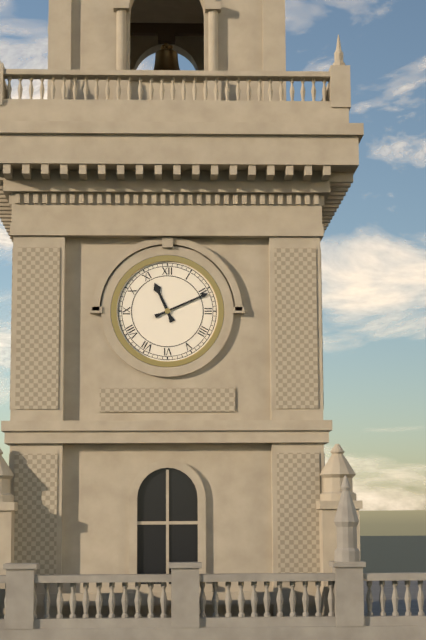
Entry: 11,11
